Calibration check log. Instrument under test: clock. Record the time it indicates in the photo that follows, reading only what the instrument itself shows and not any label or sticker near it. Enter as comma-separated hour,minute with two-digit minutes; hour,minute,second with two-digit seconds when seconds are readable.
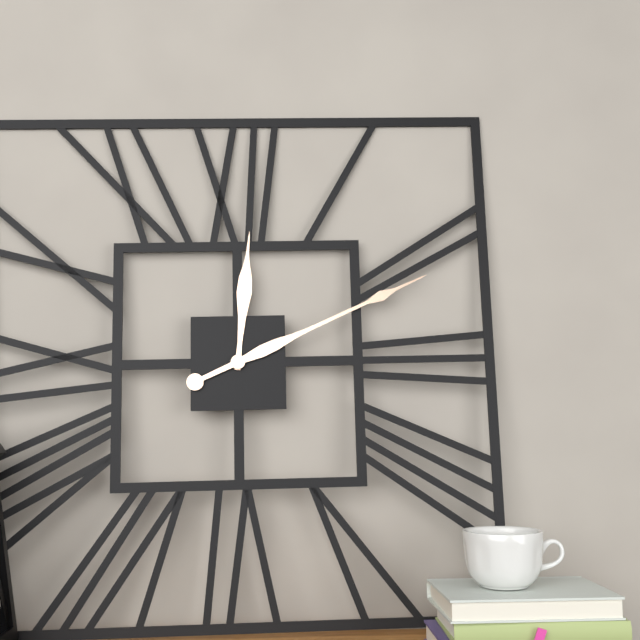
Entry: 12,11
